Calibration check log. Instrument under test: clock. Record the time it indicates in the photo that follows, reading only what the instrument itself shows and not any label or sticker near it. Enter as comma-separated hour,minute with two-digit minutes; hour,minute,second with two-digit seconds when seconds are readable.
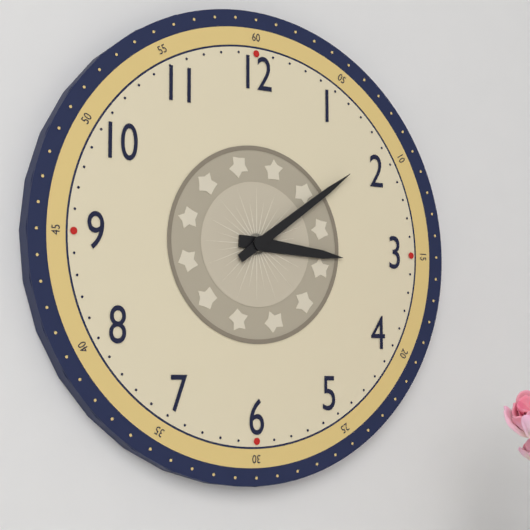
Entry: 3,09
